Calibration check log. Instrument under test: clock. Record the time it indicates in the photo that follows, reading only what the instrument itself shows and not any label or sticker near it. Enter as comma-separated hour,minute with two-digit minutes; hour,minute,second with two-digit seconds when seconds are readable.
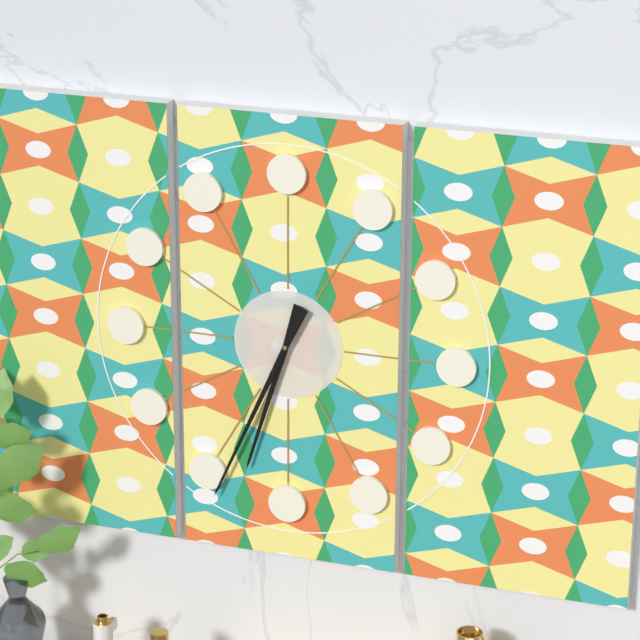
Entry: 6,34
